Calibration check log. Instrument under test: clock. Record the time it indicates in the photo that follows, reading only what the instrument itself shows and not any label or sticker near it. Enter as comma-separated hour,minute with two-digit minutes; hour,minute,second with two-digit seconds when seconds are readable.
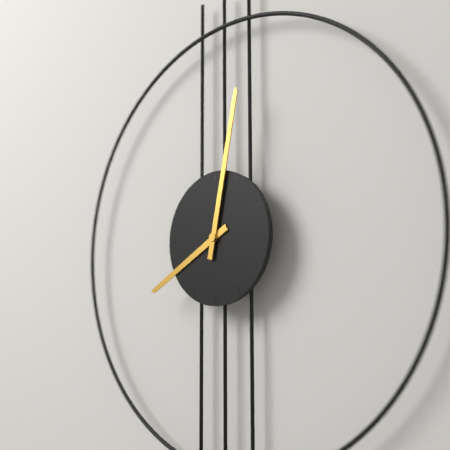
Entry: 8,02
